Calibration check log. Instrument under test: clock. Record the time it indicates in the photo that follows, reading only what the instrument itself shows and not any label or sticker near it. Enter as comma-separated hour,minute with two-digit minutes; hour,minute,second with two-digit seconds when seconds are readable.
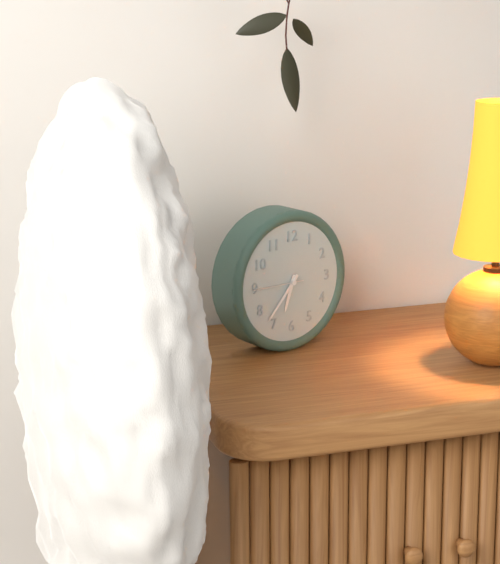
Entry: 6,37,45
